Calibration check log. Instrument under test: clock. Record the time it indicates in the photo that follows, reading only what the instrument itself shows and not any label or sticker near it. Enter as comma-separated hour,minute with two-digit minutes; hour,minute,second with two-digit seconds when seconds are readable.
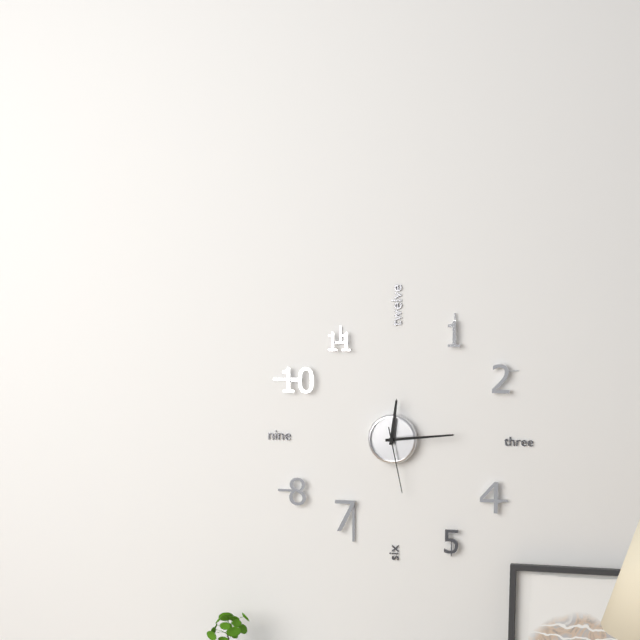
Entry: 12,14,28
